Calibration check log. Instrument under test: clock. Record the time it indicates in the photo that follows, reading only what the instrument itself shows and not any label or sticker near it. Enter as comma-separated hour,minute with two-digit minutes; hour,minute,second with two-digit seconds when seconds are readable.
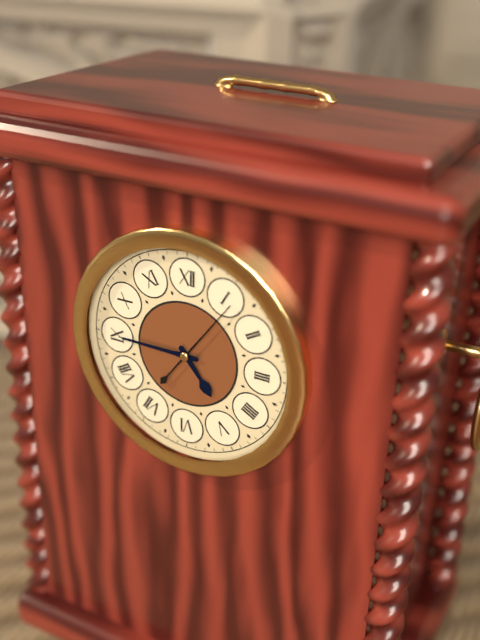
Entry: 4,45,06
